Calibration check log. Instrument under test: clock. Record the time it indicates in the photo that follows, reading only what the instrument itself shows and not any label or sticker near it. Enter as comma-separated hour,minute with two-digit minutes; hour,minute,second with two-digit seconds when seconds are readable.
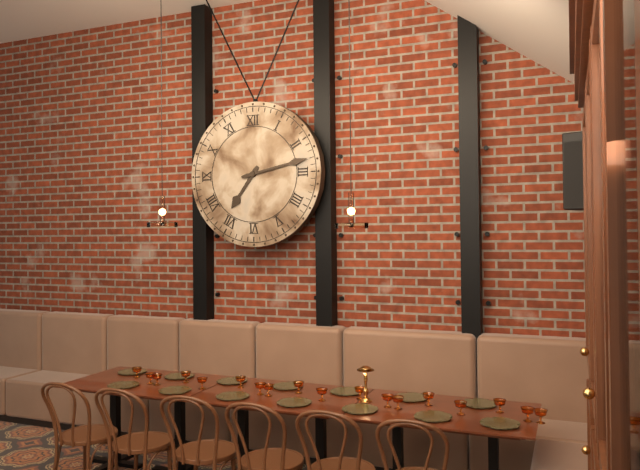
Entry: 7,13
